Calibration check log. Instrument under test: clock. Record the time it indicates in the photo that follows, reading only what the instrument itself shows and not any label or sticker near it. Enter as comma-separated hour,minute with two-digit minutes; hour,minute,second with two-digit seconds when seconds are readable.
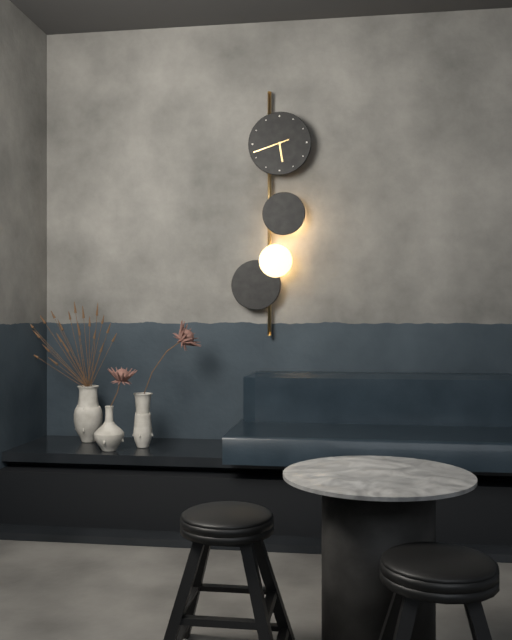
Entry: 5,42
